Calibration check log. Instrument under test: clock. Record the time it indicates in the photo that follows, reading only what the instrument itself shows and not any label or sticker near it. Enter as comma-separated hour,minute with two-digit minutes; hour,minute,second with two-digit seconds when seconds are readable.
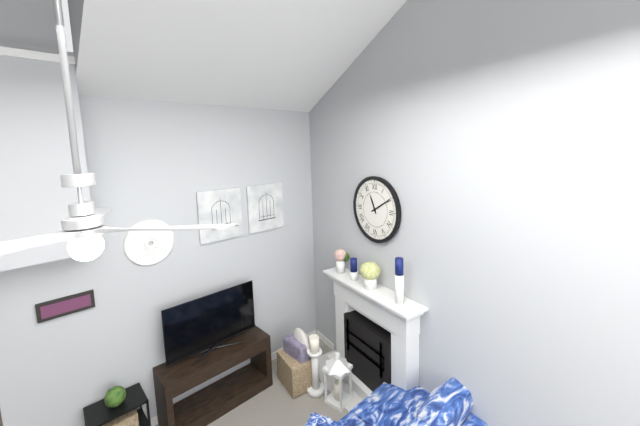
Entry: 11,10
